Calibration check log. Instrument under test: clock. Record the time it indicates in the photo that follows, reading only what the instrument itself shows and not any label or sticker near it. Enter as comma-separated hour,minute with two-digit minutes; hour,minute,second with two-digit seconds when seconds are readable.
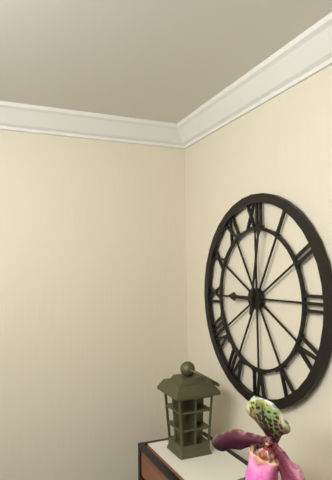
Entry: 9,02
